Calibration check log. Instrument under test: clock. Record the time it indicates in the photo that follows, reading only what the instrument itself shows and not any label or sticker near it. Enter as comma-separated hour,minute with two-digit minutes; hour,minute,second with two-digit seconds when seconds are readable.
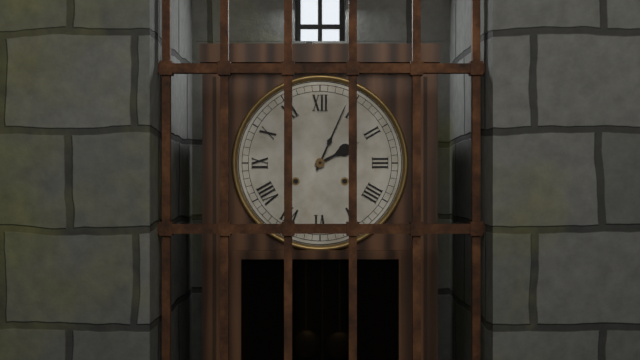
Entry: 2,04
